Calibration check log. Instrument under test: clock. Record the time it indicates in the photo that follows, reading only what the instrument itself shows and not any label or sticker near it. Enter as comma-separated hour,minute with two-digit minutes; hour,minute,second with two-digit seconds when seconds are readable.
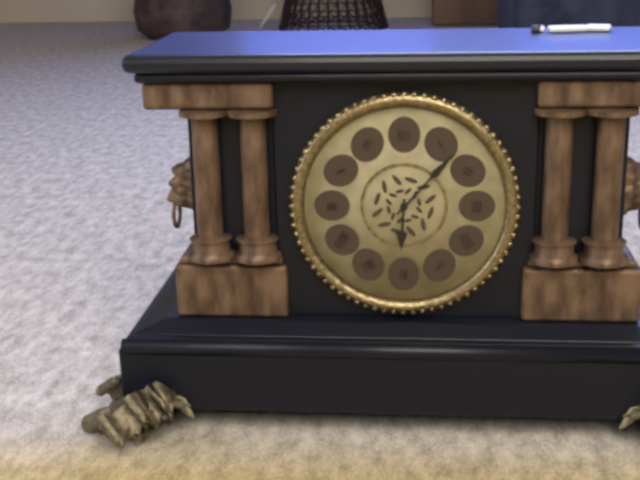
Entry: 6,07
